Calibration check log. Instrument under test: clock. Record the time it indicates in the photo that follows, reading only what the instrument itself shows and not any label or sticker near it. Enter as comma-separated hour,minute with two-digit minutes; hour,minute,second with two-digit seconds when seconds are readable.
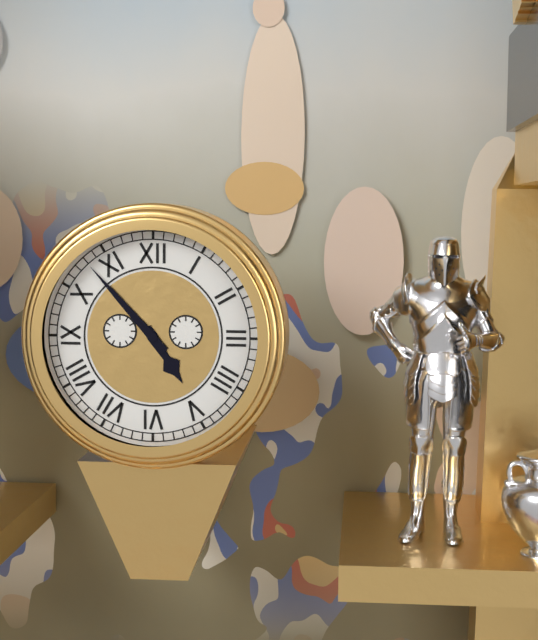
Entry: 4,53
